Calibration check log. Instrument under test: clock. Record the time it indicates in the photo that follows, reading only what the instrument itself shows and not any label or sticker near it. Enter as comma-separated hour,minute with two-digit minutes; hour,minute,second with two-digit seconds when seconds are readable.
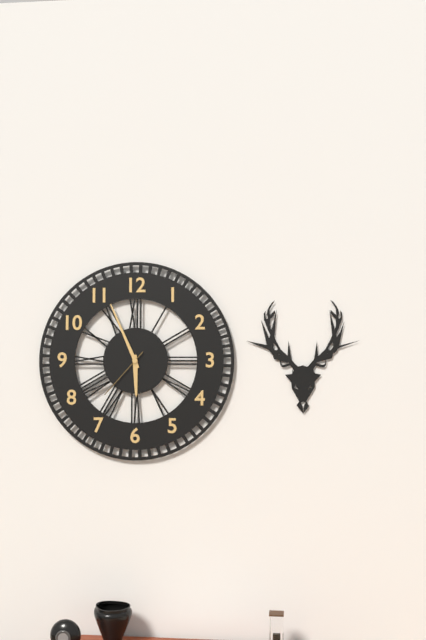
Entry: 5,56,37
